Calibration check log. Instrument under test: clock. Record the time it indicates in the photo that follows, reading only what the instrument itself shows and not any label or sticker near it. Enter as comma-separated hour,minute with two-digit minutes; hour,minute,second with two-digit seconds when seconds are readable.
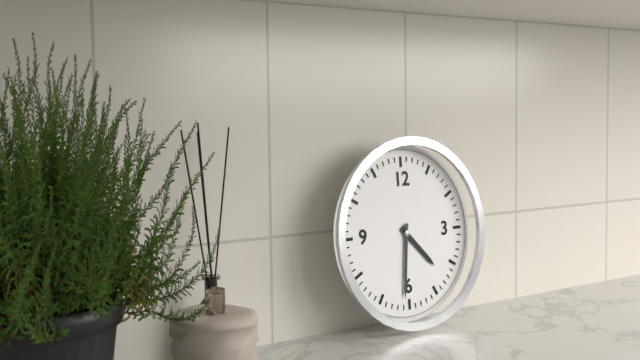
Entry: 4,31
